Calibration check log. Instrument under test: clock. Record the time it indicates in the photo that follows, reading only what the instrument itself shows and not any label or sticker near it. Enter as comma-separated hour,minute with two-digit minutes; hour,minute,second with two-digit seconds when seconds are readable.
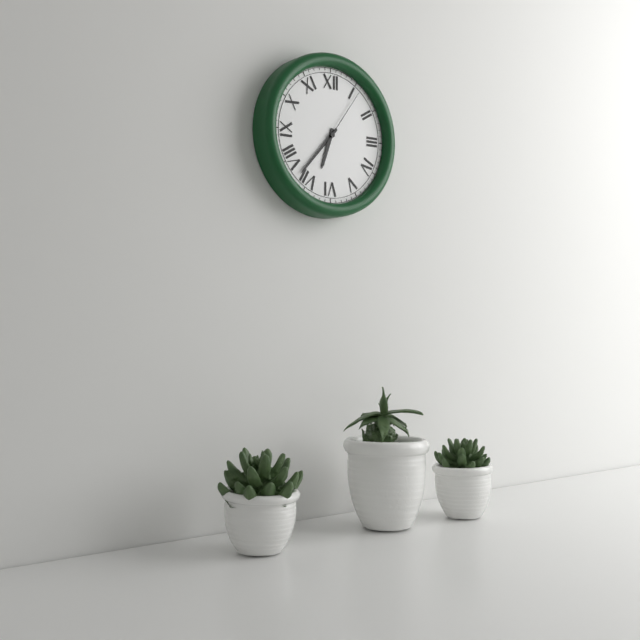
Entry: 6,37,06
